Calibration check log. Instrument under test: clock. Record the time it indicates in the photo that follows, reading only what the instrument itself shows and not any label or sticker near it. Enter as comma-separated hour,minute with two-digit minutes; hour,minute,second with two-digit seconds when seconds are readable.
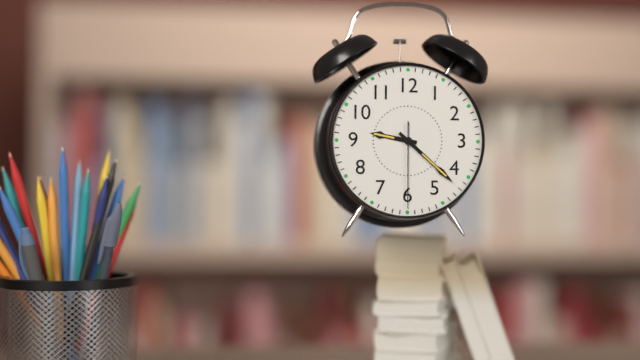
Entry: 9,22,30
